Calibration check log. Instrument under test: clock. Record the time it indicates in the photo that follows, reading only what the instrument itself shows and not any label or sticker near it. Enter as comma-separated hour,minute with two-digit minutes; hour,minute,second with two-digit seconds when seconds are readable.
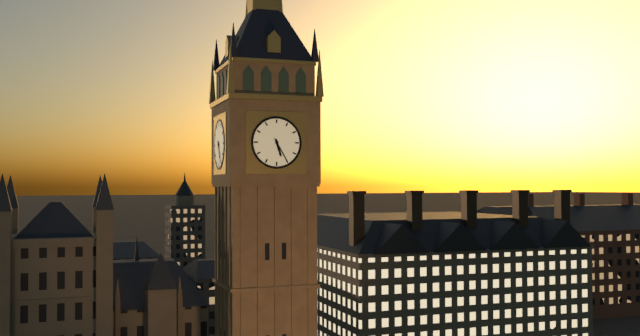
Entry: 5,25
